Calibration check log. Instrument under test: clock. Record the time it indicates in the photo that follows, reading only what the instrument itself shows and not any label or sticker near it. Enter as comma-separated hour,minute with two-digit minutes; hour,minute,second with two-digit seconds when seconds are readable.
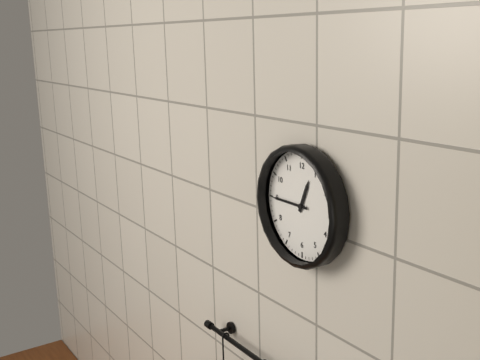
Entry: 12,45
